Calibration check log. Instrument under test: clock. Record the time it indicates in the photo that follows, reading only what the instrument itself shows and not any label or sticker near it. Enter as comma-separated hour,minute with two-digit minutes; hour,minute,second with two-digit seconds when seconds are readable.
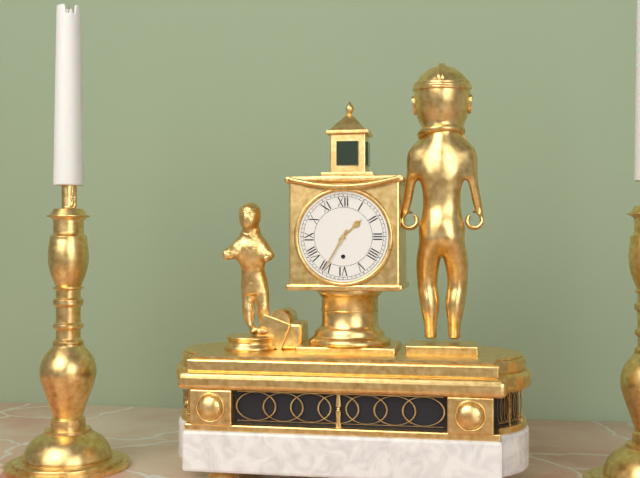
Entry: 1,35
